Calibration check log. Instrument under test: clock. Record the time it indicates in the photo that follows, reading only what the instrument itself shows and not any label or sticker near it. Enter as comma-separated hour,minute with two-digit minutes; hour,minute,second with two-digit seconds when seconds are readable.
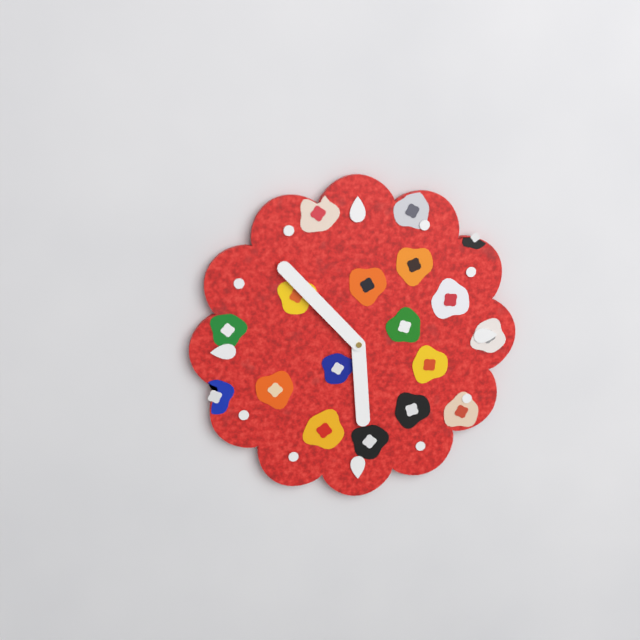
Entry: 5,53
